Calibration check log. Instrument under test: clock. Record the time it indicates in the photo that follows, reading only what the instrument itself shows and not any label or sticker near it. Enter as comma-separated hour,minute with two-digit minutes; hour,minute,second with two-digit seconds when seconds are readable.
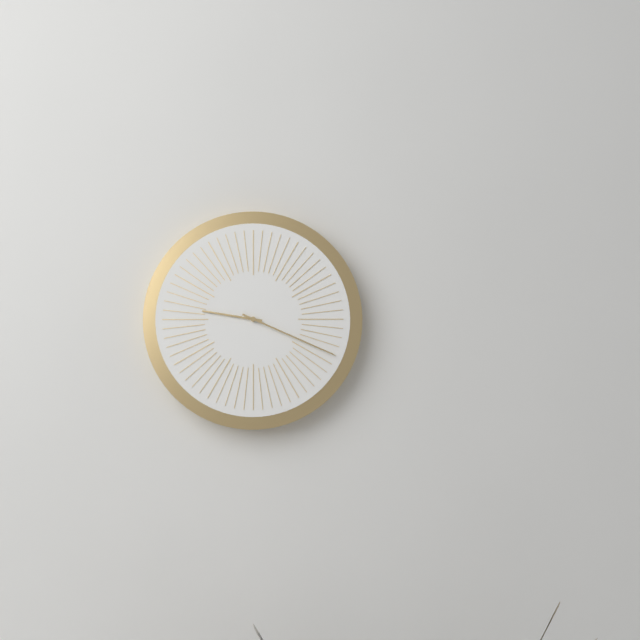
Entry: 9,19
